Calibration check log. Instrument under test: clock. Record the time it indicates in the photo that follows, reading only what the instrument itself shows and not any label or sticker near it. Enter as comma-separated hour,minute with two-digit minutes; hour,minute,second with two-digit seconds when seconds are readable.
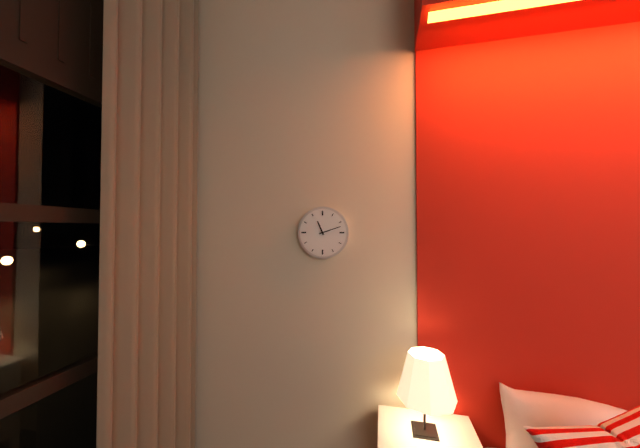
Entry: 11,12
